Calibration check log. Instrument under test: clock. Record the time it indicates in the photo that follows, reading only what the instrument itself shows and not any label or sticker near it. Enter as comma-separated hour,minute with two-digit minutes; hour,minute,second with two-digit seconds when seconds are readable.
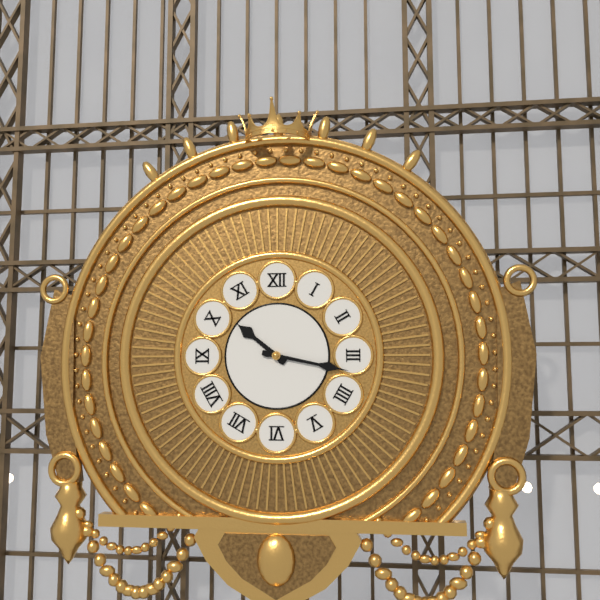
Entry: 10,17
